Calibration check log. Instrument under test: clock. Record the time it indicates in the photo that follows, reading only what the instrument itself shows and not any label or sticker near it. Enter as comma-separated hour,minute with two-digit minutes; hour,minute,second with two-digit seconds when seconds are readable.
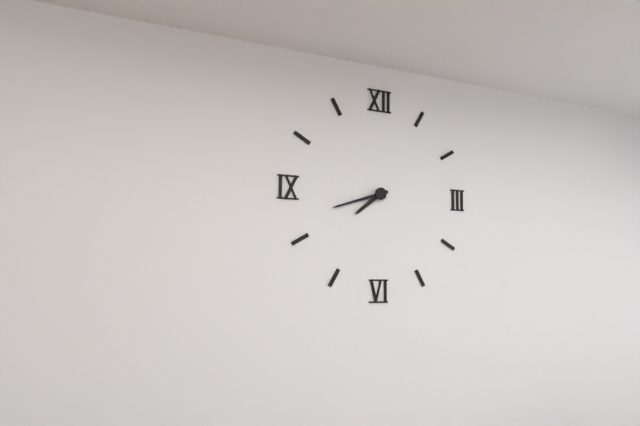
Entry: 7,42
